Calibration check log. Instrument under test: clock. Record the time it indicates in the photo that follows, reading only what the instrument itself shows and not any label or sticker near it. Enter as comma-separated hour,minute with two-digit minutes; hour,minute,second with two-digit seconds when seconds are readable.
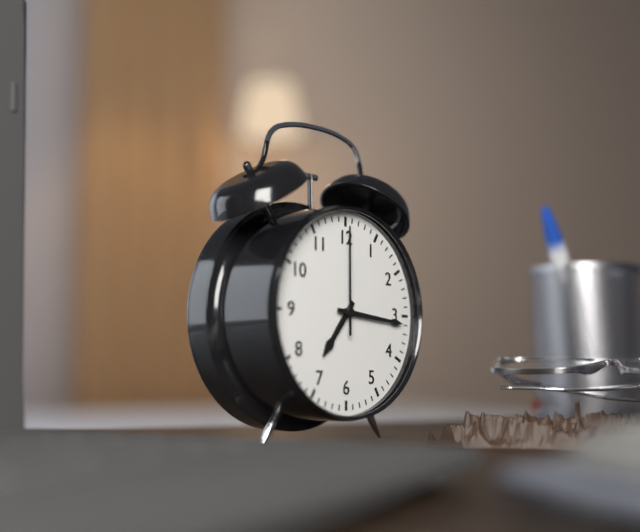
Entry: 7,16,00
